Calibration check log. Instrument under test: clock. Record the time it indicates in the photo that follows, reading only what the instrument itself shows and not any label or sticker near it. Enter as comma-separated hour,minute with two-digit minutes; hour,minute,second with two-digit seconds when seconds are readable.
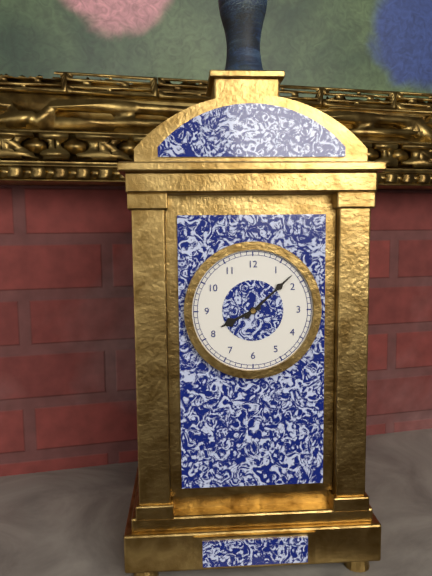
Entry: 8,08
